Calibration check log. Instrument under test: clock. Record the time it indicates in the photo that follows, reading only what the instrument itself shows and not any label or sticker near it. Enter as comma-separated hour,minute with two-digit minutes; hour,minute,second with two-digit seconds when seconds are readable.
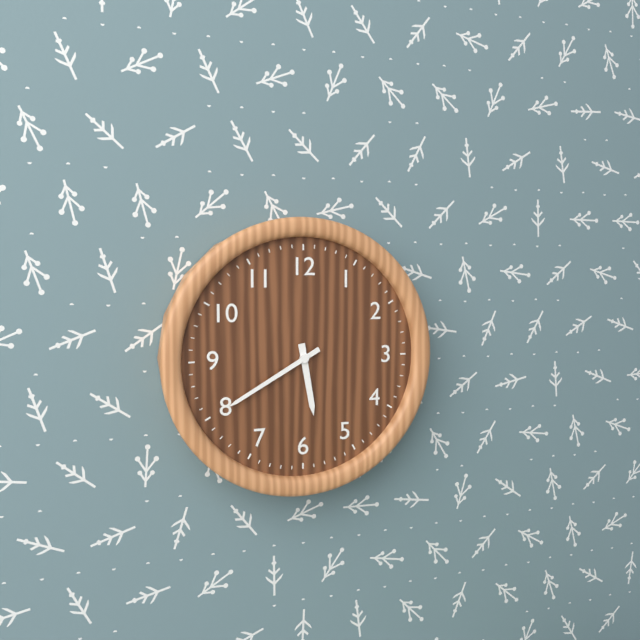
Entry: 5,40
